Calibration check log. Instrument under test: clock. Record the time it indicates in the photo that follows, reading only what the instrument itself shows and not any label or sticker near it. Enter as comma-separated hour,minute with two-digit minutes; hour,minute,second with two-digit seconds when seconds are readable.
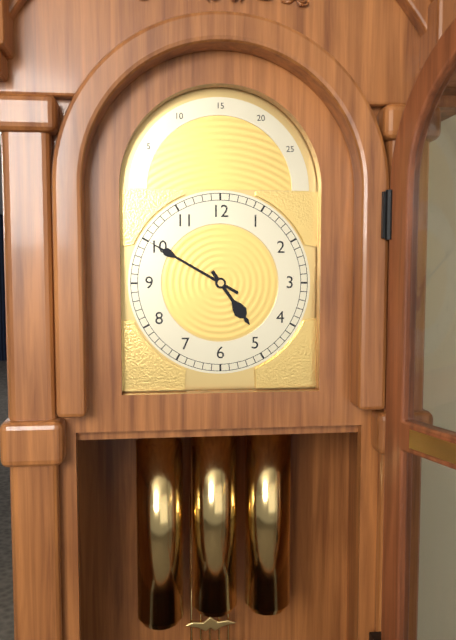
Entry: 4,50
